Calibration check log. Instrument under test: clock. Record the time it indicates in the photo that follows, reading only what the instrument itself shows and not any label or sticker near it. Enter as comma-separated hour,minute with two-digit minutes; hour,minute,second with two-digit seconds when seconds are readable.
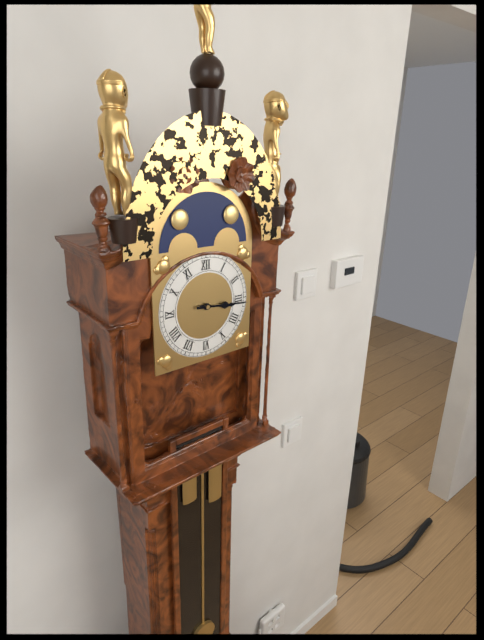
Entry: 3,16
